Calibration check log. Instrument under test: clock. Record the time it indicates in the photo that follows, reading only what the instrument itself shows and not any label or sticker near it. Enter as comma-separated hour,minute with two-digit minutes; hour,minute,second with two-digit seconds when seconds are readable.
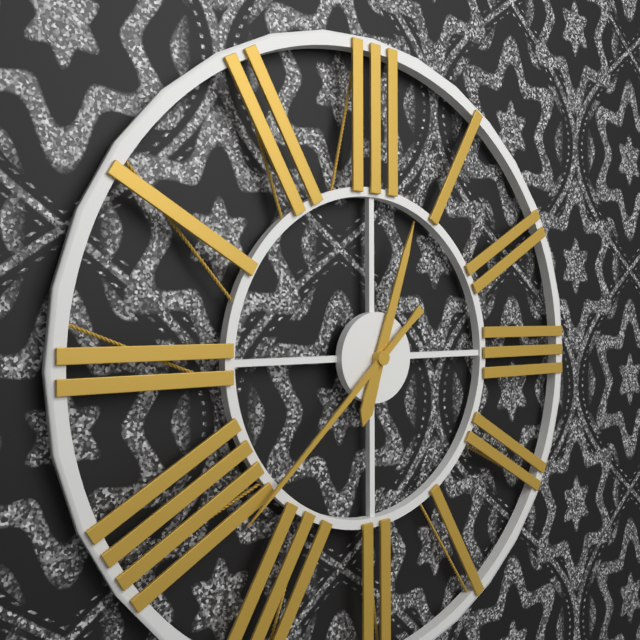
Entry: 12,38
